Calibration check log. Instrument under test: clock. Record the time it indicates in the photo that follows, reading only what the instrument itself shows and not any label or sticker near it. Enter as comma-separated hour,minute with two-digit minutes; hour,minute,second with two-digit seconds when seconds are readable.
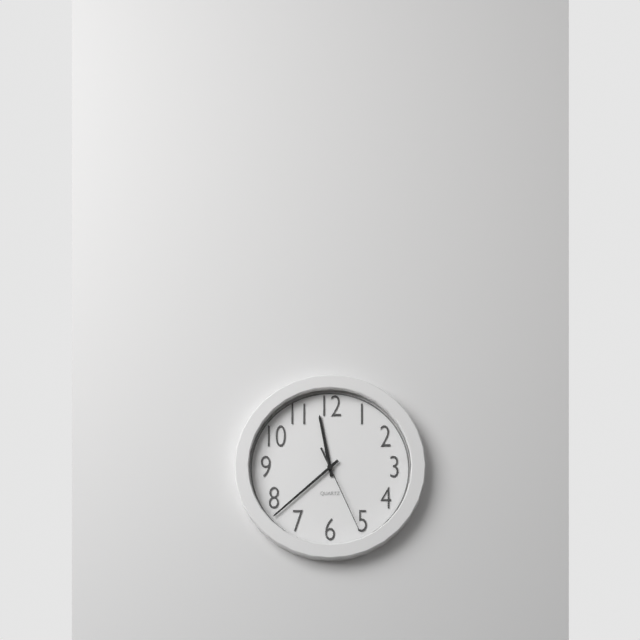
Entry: 11,38,26
